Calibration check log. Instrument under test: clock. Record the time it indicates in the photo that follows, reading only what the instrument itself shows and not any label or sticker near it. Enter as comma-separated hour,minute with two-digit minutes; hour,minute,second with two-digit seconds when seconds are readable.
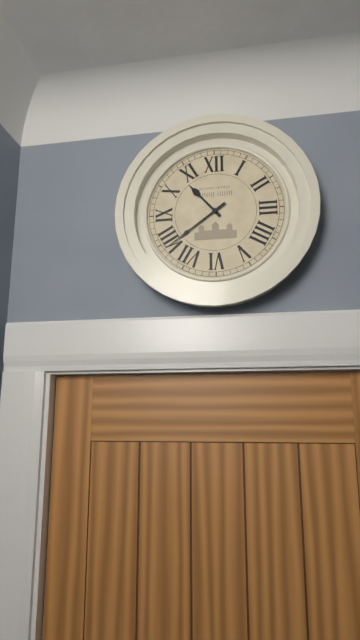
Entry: 10,39
